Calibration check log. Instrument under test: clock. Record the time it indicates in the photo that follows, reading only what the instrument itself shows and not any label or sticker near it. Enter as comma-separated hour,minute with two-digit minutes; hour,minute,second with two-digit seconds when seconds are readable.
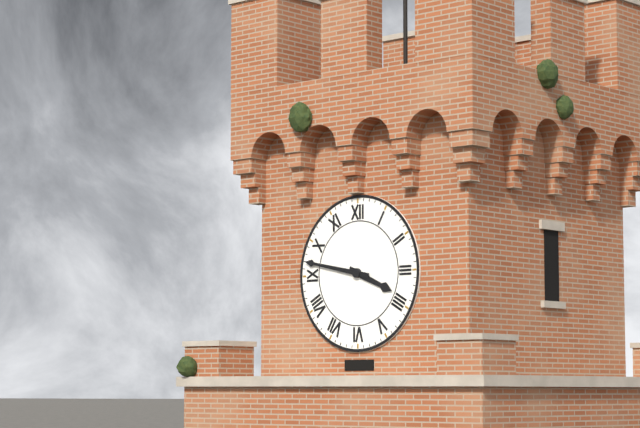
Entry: 3,47
